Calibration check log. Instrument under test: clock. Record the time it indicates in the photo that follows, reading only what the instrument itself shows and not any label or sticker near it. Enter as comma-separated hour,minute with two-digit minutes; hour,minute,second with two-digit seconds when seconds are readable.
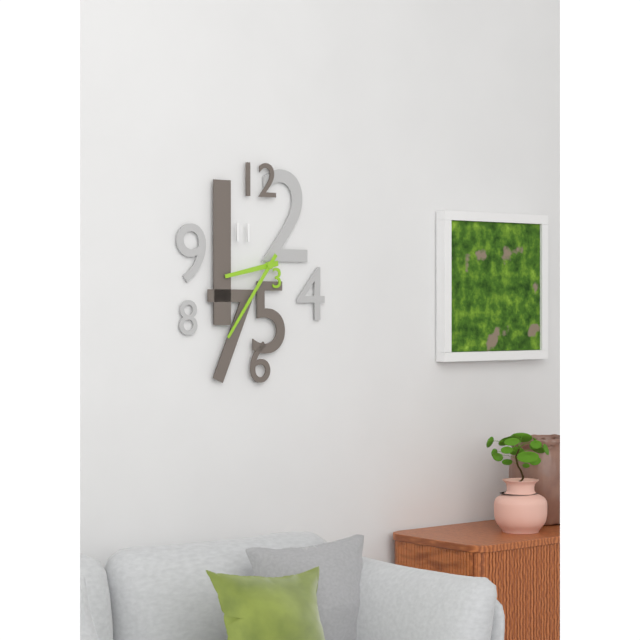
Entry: 8,36
